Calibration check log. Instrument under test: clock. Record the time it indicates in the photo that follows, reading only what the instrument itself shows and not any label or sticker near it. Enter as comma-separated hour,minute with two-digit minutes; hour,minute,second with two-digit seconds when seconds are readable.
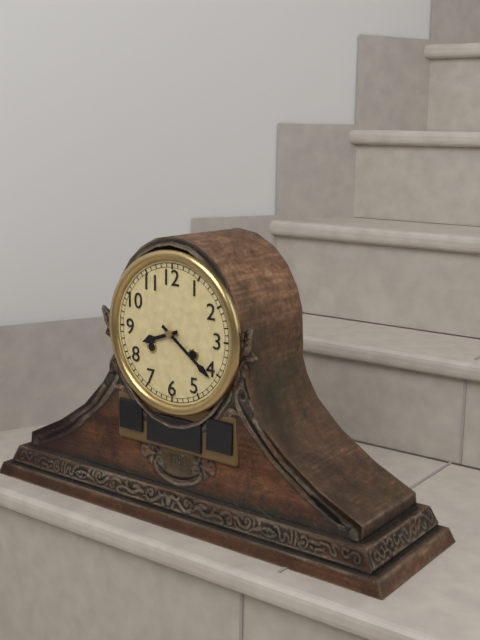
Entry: 8,21
